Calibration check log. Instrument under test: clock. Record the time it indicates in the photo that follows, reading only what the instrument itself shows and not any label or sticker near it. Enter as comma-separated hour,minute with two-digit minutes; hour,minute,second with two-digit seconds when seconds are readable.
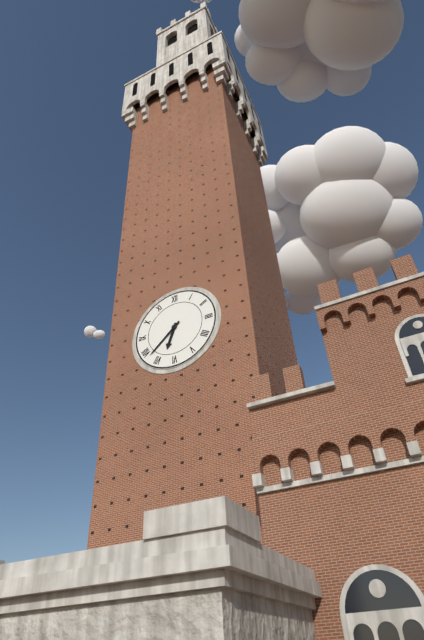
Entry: 6,38
